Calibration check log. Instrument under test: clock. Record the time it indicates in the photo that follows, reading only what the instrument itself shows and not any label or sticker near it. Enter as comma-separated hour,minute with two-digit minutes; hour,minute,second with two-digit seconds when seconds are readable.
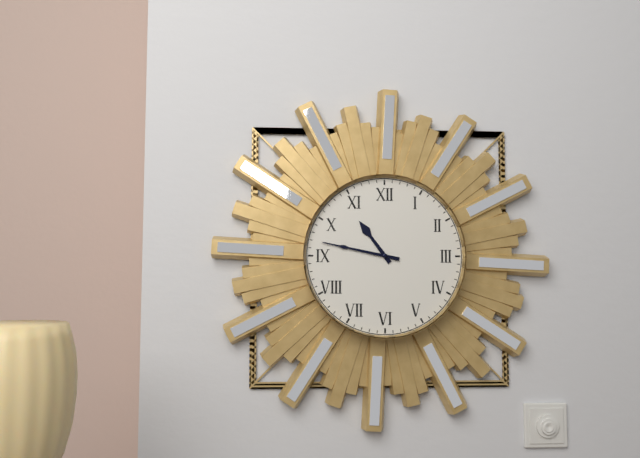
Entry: 10,47
